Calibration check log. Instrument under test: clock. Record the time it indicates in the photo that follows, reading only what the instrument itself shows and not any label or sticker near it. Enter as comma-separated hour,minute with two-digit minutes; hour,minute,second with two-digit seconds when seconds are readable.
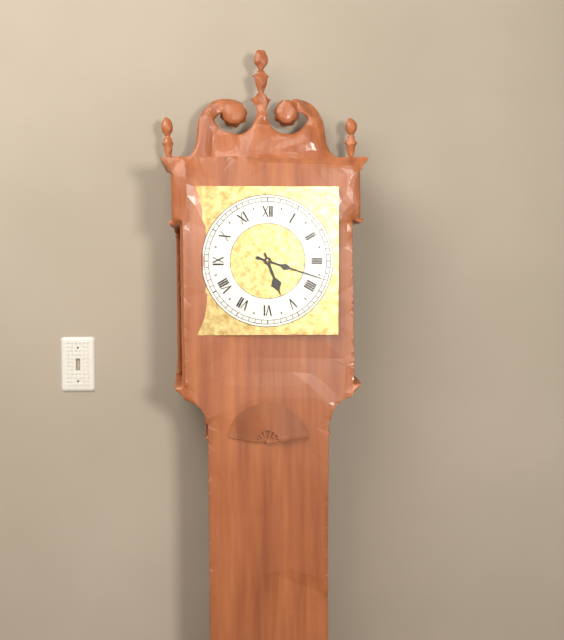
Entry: 5,18
